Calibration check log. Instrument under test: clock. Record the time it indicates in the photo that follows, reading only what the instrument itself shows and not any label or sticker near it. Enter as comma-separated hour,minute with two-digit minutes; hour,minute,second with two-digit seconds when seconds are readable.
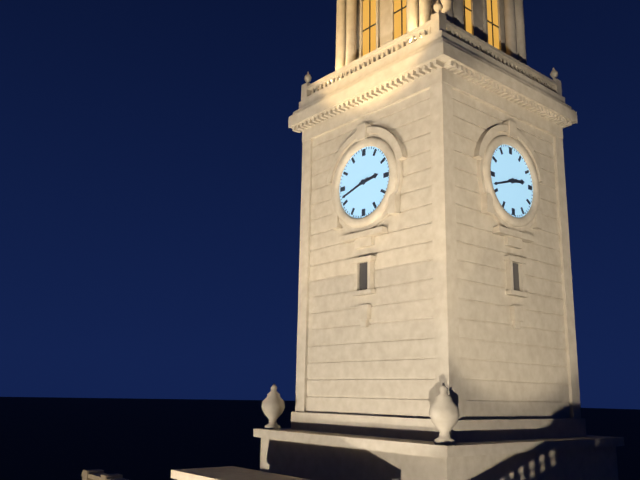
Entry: 2,42
